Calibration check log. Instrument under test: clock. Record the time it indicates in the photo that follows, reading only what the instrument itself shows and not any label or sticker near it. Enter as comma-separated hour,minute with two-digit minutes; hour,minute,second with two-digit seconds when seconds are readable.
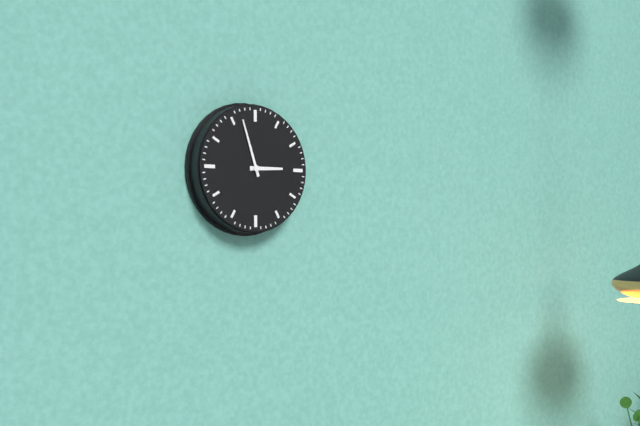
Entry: 2,57
